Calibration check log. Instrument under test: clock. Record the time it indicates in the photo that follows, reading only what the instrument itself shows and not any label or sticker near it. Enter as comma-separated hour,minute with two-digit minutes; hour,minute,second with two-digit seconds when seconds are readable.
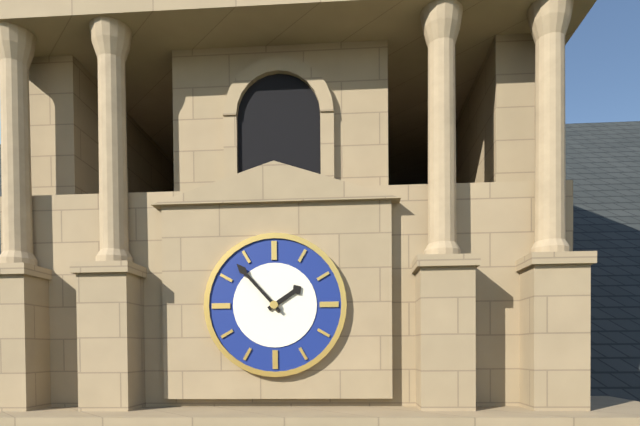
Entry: 1,53
